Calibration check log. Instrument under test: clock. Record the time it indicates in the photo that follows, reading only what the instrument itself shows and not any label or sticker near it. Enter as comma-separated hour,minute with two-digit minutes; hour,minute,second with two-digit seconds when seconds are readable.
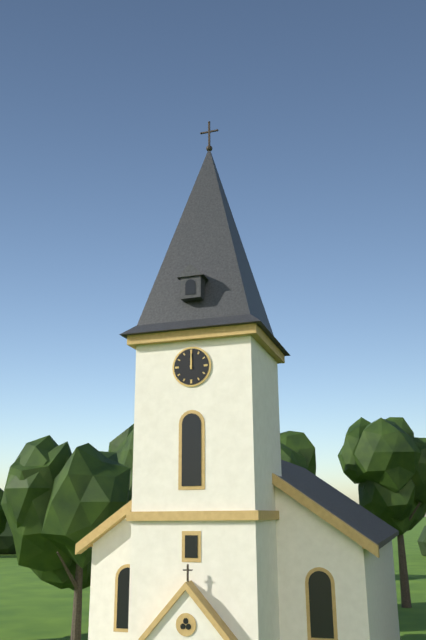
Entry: 12,00
